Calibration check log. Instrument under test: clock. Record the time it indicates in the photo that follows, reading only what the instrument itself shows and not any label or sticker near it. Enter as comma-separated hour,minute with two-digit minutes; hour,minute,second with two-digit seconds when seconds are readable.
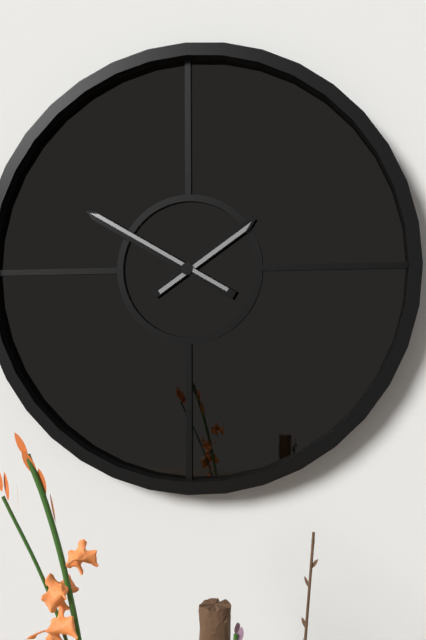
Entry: 1,50
